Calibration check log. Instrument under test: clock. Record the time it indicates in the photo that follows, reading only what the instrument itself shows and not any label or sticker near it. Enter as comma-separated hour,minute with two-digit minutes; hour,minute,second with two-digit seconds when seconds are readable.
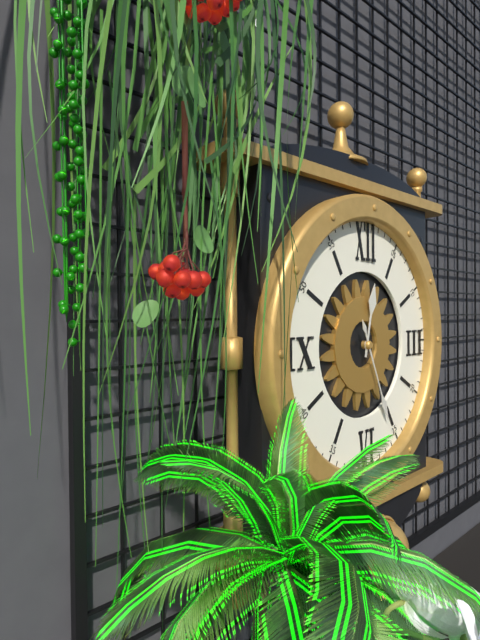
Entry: 12,26
